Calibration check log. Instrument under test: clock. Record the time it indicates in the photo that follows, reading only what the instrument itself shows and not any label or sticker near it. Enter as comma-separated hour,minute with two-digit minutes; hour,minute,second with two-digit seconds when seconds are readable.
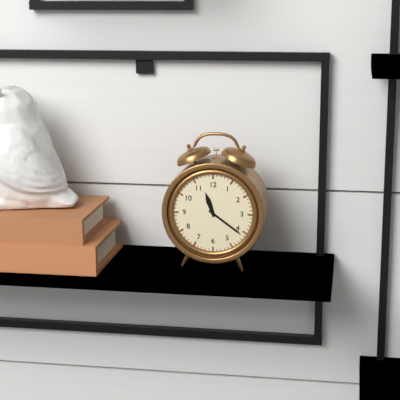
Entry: 11,21
